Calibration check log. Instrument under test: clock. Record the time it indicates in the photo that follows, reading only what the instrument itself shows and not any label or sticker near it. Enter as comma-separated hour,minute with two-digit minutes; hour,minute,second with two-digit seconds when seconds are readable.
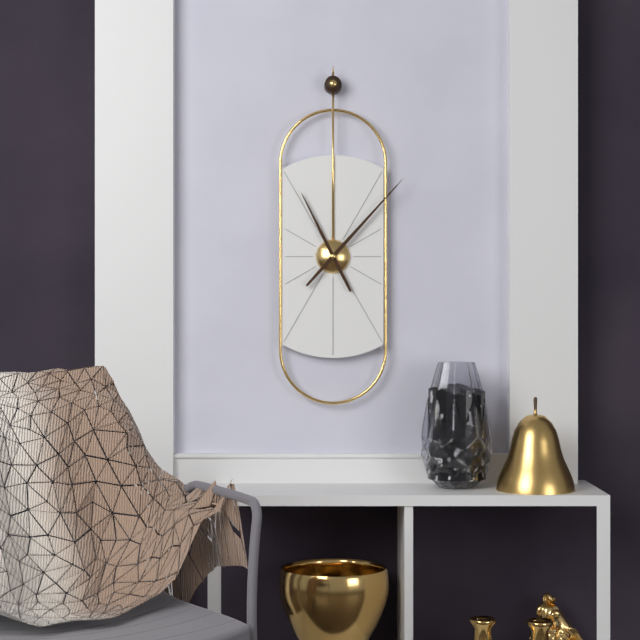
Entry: 11,07
